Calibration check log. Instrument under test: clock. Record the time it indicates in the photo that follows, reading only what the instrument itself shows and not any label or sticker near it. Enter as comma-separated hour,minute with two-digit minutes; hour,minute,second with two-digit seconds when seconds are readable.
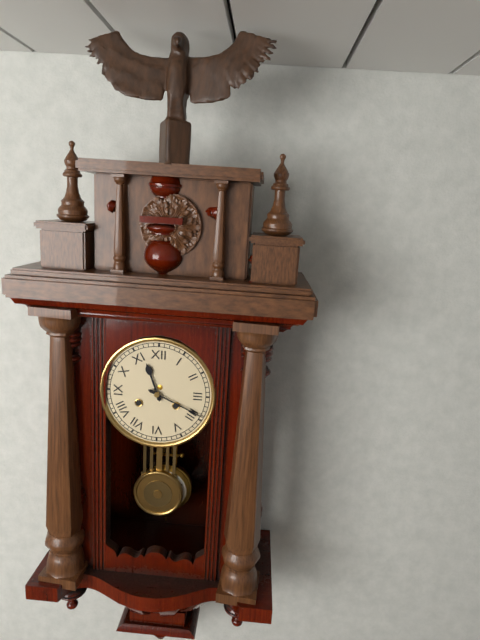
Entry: 11,19
